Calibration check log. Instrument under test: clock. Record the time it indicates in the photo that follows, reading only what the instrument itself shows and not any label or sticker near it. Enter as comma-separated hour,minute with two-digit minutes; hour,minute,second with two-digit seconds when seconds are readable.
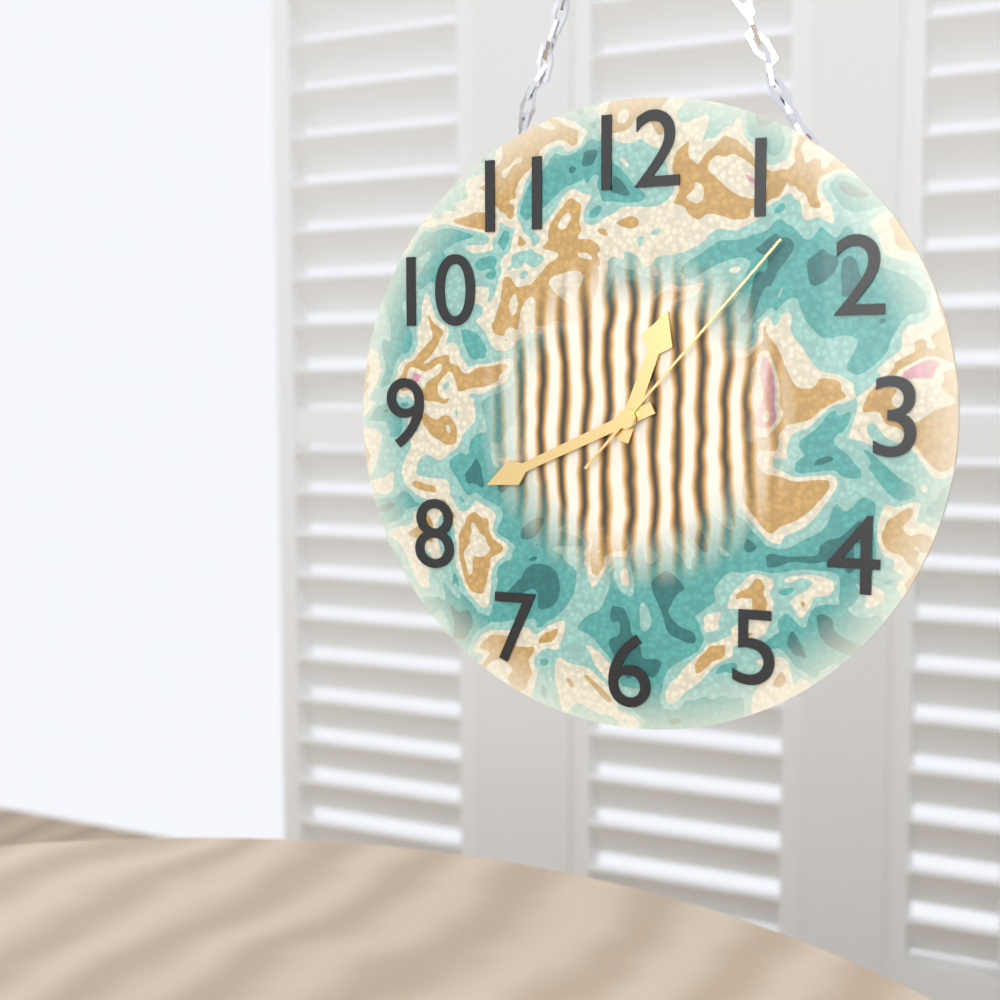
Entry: 12,41,07
